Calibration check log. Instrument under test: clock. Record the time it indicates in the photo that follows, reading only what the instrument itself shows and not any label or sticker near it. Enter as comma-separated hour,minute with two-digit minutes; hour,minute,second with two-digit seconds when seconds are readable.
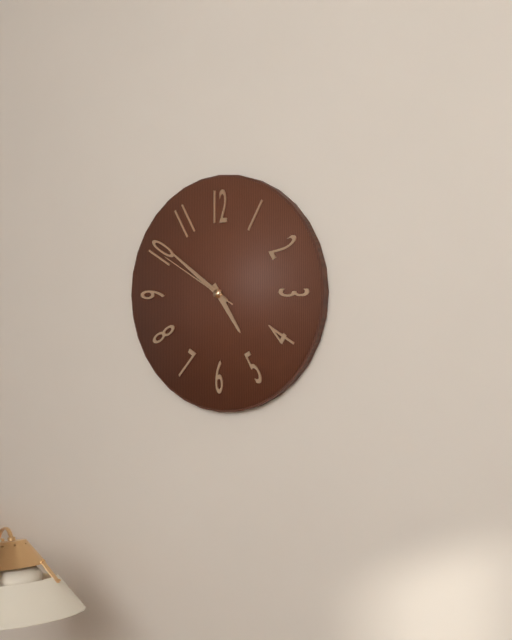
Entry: 4,51,50
